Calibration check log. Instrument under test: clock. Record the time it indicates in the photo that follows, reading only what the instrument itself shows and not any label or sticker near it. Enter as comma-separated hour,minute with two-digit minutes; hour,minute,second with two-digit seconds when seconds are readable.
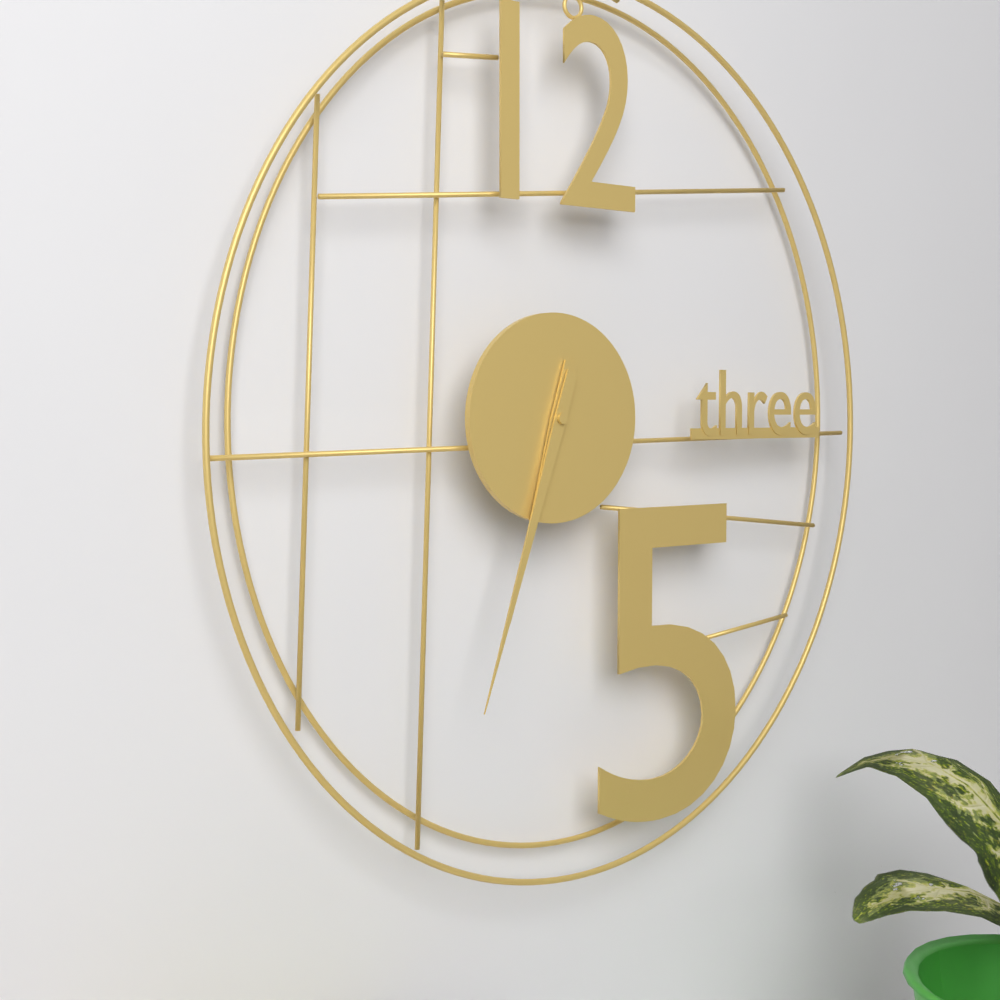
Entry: 6,33
